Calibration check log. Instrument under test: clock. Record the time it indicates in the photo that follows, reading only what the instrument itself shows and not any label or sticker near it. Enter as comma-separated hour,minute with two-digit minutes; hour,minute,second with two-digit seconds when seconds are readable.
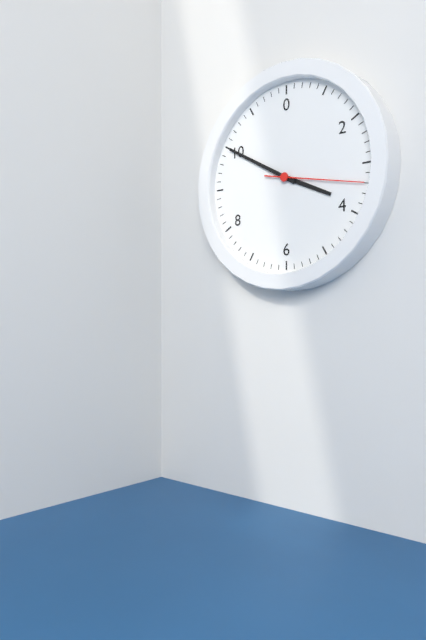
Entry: 3,50,17
